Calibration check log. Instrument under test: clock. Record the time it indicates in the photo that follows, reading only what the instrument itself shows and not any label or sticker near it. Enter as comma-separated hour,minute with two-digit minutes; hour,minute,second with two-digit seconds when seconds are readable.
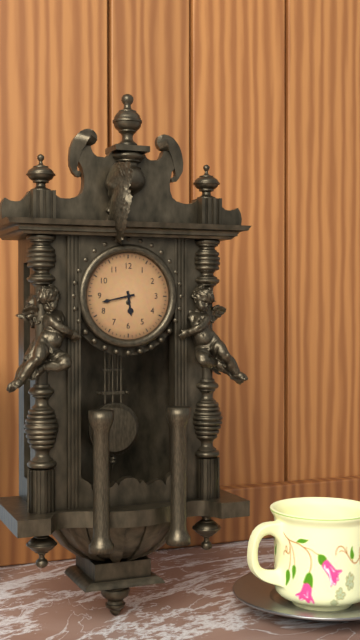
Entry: 5,43
